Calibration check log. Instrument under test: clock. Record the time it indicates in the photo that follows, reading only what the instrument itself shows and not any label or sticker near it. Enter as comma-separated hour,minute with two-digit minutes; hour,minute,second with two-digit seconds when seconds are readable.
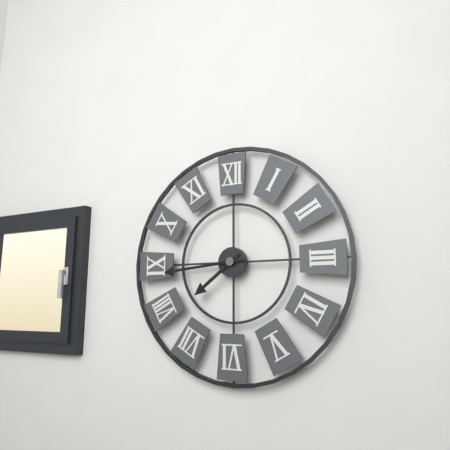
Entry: 7,44
